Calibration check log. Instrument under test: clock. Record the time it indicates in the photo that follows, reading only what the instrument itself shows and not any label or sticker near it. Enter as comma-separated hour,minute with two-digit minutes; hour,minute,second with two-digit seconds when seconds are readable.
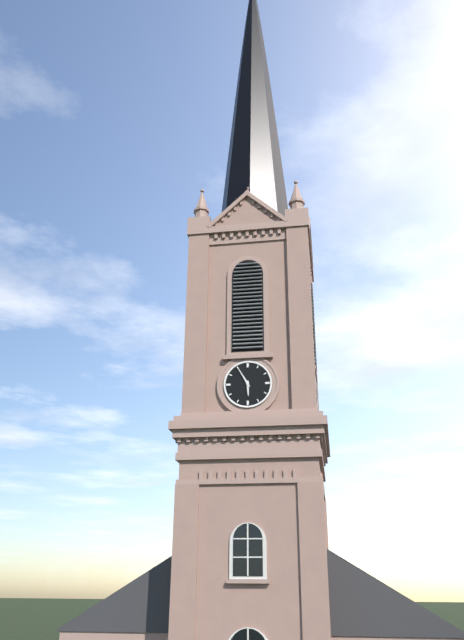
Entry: 5,55
